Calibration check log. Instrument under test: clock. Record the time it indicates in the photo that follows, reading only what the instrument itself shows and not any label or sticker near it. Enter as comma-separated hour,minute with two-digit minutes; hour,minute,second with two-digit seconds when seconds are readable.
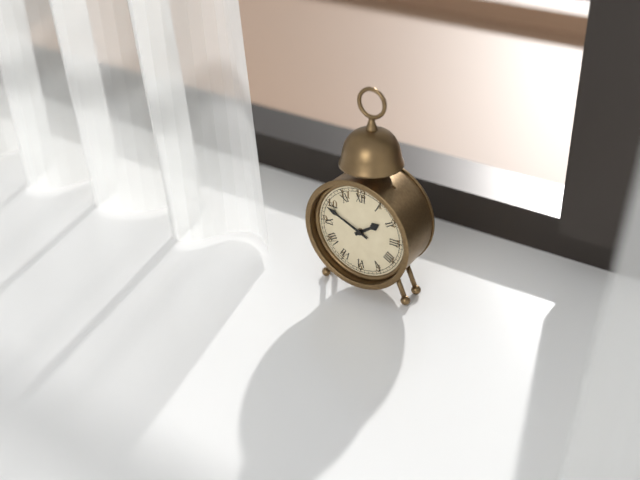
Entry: 1,49
